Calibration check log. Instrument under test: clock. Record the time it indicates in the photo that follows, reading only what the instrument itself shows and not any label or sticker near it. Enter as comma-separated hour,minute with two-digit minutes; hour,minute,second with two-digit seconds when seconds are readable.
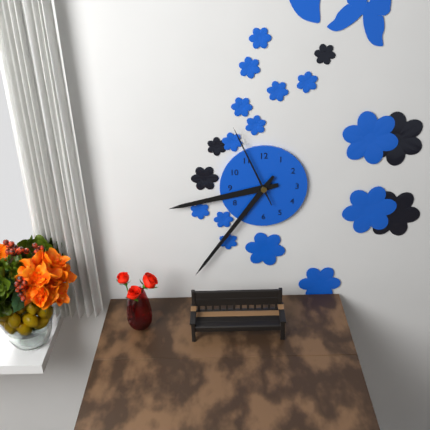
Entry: 8,36,56
